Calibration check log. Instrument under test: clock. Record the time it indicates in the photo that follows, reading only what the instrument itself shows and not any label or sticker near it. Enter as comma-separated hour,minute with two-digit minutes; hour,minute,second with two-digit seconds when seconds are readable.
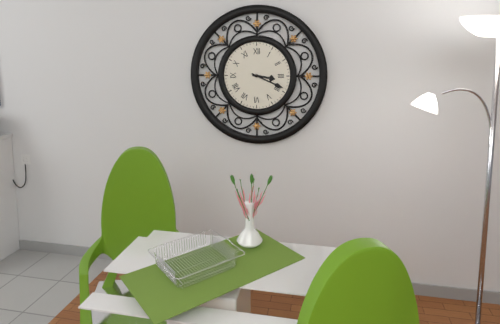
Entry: 3,19
